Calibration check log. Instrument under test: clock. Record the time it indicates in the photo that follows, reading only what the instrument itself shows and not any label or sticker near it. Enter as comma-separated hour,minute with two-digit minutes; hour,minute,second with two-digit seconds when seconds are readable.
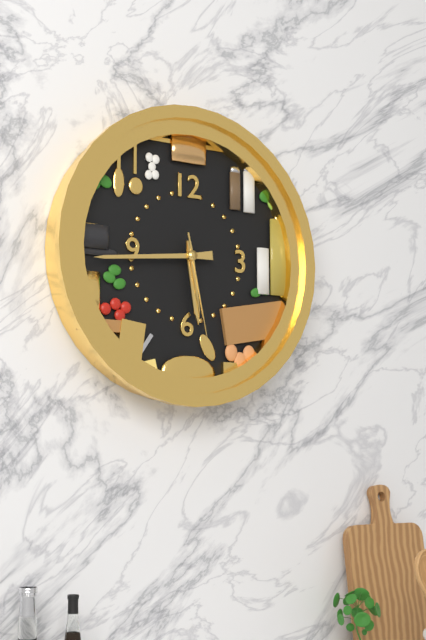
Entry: 5,44,28
